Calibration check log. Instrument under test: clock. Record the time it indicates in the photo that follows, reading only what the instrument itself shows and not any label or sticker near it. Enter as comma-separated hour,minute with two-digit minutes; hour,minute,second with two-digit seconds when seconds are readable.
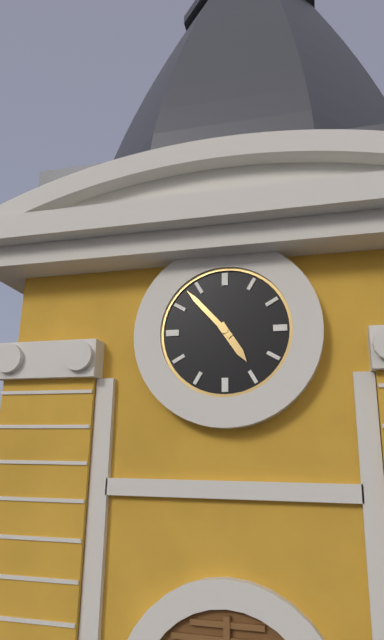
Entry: 4,53
